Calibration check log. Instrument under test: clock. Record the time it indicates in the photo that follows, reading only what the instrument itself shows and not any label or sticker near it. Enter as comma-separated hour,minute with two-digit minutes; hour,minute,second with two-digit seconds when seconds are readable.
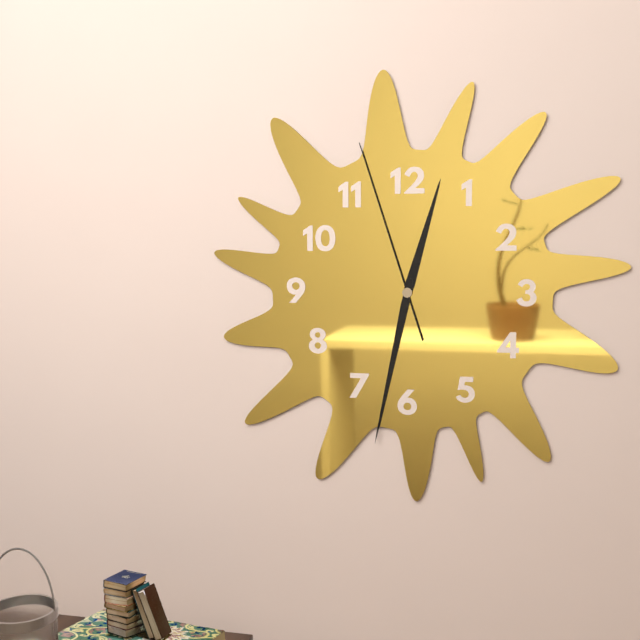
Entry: 12,32,57
